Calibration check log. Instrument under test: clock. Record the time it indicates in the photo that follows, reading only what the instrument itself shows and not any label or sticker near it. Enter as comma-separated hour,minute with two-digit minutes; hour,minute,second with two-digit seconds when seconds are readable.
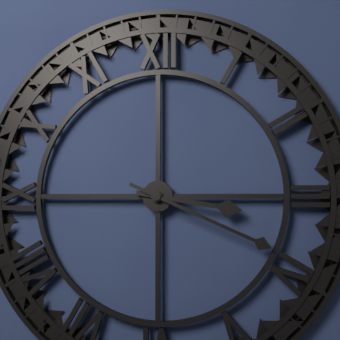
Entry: 3,19
